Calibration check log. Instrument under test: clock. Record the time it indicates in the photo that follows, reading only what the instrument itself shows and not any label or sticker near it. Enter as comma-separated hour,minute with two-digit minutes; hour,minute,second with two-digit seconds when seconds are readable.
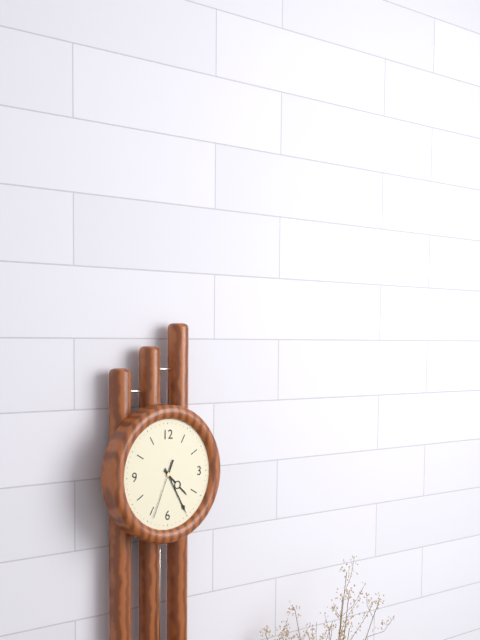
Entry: 4,25,34
